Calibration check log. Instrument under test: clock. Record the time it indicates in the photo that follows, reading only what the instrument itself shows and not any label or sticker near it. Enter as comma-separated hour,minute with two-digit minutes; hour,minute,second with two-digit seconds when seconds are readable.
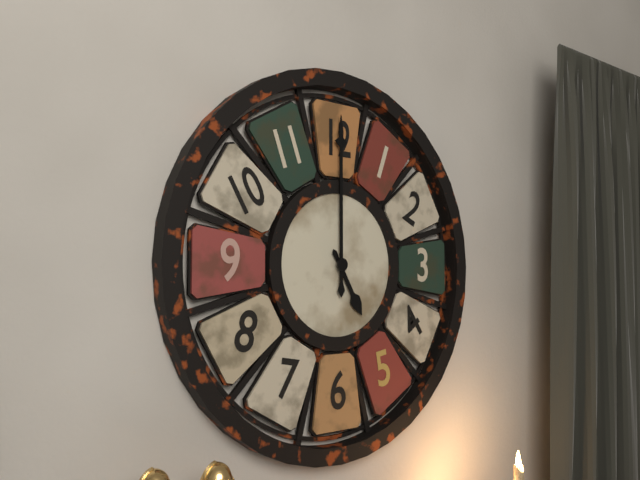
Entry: 5,00
